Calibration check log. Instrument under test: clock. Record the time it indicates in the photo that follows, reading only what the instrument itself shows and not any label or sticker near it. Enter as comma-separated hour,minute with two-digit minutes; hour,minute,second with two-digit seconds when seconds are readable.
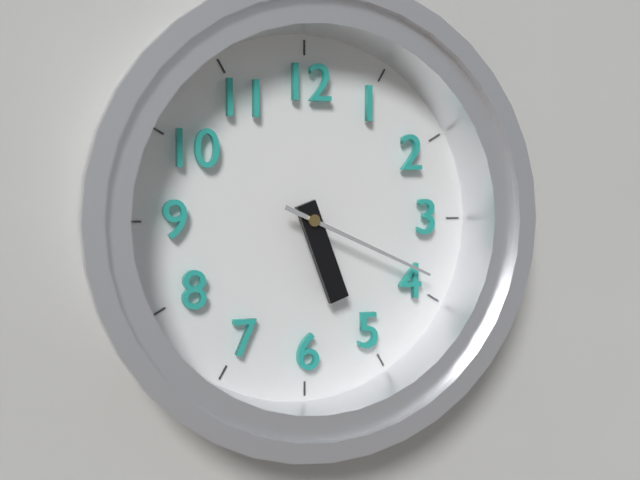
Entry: 5,19
